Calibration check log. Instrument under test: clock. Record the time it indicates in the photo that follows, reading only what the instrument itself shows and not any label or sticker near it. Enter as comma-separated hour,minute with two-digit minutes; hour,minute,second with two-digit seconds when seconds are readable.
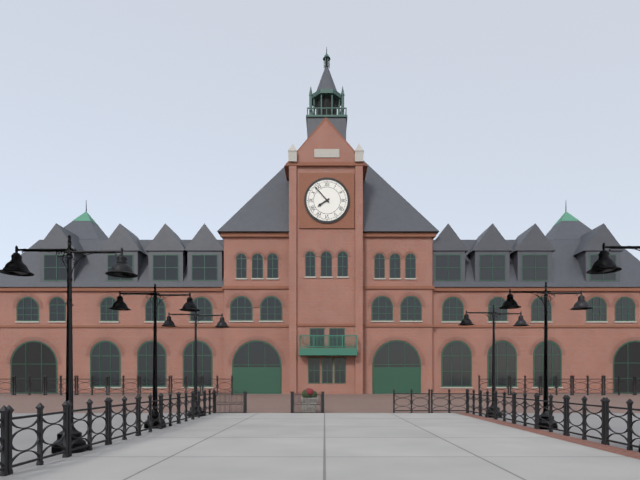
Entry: 7,53
